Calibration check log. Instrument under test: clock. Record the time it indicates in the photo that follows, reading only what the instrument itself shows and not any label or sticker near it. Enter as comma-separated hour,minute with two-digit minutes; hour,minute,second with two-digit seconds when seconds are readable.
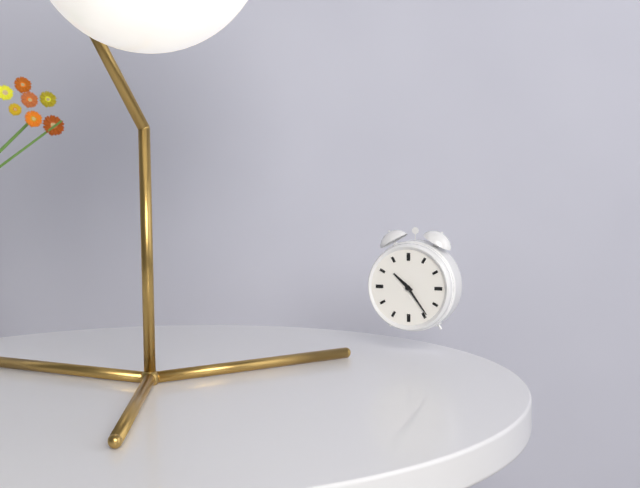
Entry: 10,24
